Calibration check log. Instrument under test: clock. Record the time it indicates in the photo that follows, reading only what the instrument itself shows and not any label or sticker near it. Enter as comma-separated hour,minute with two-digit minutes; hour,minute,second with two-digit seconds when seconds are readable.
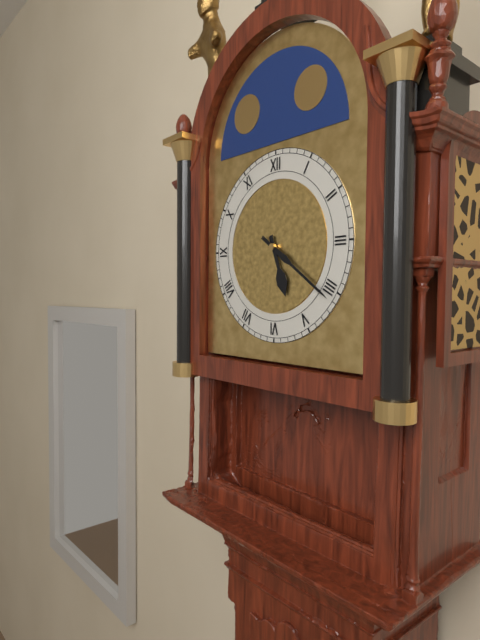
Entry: 5,21
